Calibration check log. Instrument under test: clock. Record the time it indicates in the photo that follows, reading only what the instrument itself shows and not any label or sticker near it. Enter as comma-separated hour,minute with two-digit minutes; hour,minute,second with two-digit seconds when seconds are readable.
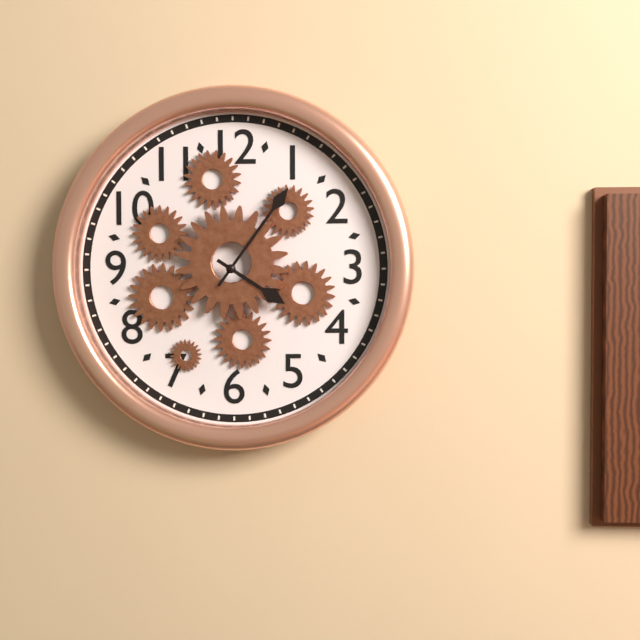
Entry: 4,06
